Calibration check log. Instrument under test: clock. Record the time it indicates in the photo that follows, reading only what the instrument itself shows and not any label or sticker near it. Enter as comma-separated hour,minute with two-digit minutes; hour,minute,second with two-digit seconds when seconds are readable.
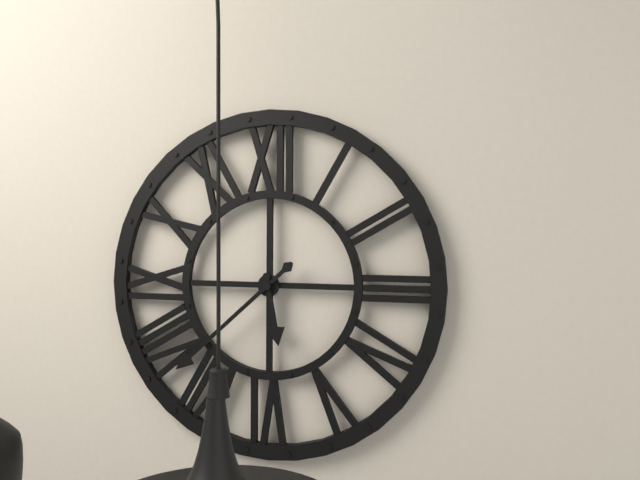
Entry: 5,38
